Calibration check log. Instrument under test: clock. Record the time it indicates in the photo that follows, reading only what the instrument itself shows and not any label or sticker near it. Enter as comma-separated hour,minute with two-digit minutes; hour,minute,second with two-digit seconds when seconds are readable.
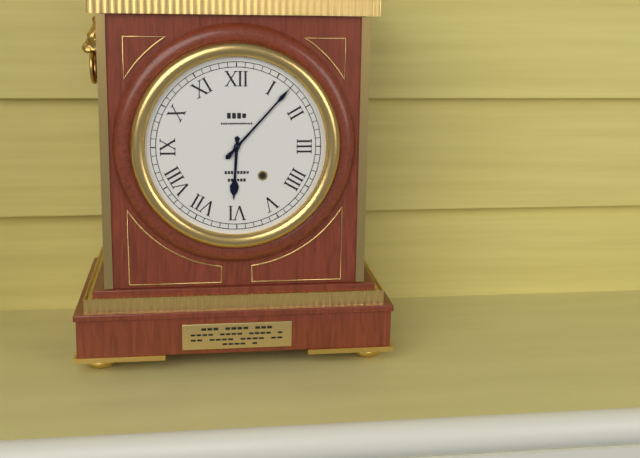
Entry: 6,07
